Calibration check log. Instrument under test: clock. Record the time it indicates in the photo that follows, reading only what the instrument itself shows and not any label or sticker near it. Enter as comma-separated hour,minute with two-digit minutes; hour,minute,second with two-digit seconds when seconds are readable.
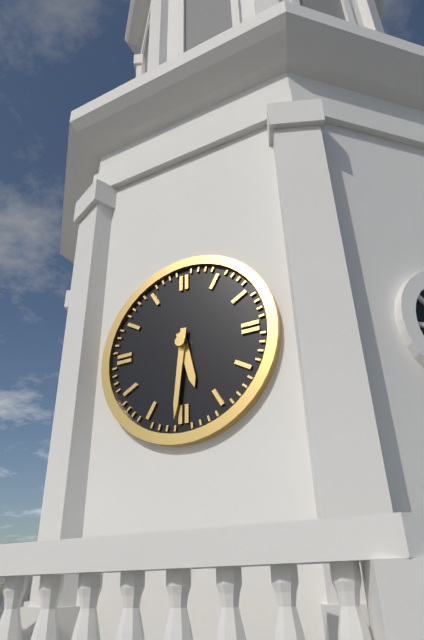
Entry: 5,31
